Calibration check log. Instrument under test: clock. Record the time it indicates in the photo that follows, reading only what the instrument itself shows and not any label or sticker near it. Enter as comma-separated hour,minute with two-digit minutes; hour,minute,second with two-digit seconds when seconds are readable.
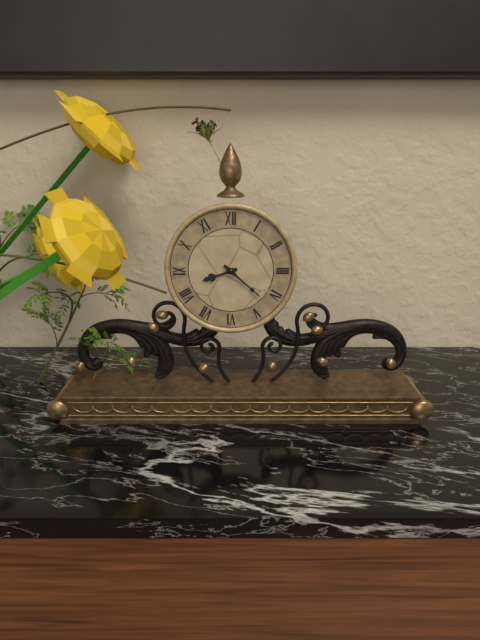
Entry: 8,22
